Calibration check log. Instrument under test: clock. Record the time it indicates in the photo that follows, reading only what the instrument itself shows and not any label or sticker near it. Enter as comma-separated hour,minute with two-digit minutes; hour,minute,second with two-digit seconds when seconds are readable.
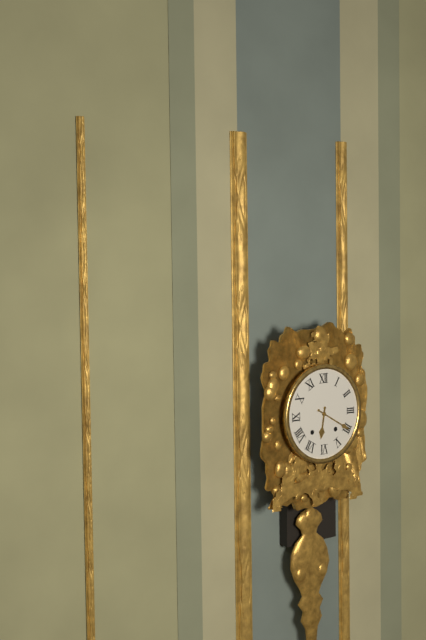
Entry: 6,20
